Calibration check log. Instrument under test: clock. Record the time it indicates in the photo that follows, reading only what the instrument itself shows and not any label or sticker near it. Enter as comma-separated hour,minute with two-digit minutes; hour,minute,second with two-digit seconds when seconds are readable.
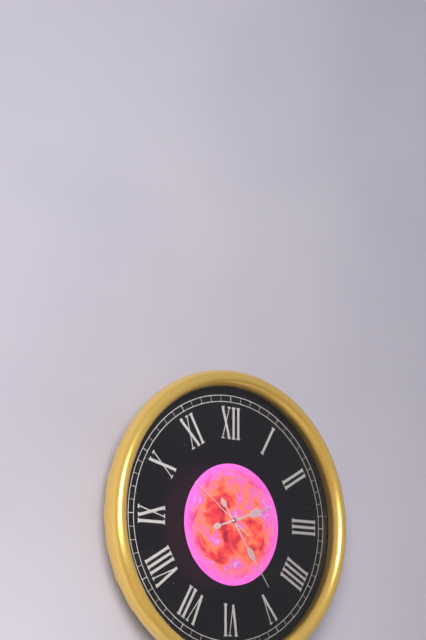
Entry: 2,24,51
